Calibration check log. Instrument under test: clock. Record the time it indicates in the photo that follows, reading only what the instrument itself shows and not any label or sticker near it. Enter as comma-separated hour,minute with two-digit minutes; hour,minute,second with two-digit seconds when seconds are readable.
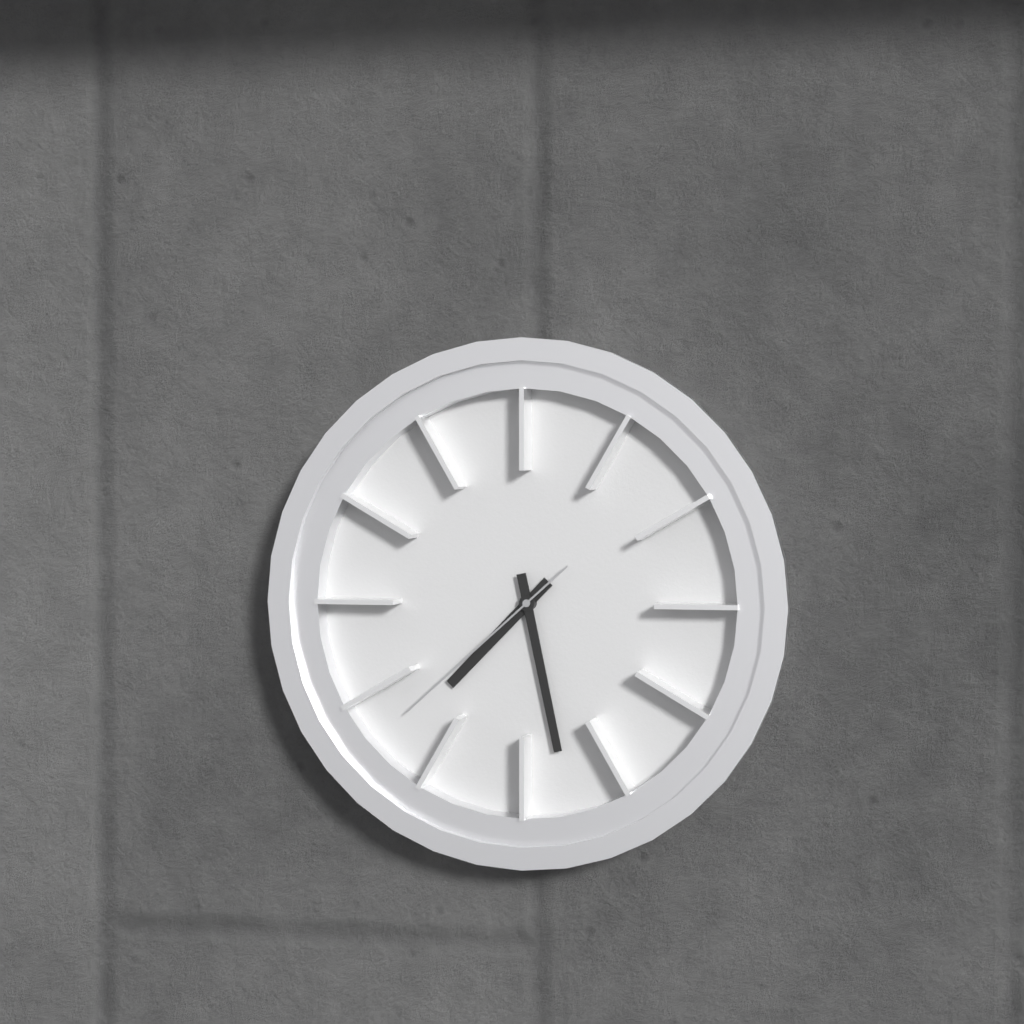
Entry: 7,28,38
